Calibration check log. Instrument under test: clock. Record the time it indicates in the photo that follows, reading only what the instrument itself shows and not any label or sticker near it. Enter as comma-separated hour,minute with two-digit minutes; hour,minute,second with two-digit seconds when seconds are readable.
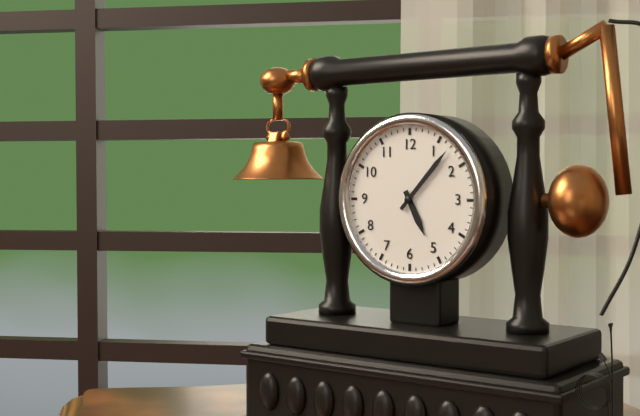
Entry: 5,07
